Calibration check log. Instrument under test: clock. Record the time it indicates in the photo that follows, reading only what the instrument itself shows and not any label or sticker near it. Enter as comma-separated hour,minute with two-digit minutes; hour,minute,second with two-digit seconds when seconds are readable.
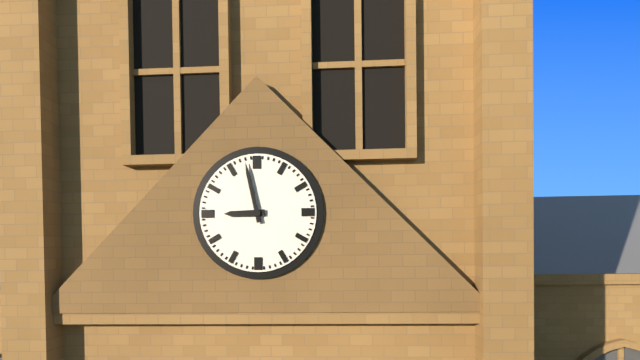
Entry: 8,58
